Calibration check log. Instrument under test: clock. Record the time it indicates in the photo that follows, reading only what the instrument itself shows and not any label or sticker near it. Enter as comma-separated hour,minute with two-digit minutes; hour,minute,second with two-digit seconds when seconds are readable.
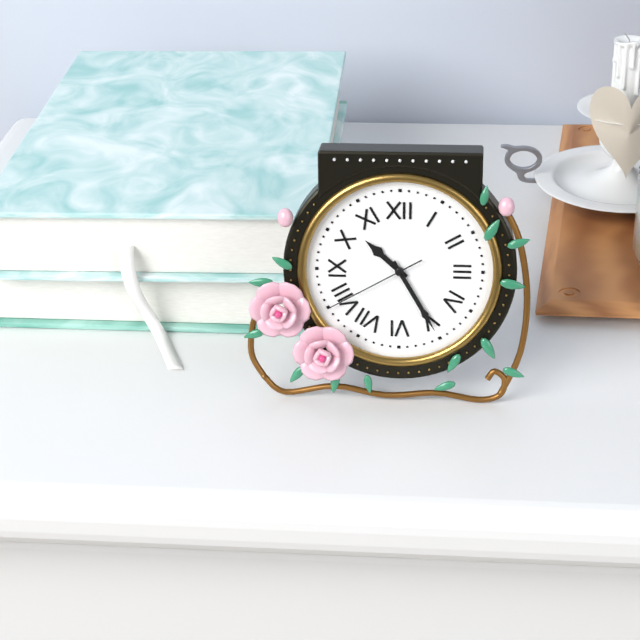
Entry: 10,25,40
